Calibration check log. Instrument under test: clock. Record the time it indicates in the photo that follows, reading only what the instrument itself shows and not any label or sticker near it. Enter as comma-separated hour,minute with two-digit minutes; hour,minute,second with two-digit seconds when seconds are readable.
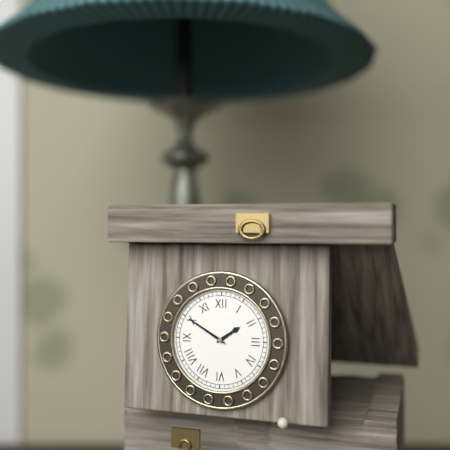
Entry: 1,50
